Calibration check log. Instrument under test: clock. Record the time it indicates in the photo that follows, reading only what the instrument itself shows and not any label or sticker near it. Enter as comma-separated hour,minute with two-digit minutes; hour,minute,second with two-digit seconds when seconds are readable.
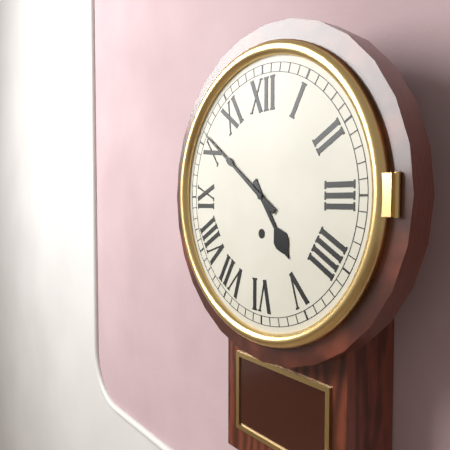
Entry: 4,51
